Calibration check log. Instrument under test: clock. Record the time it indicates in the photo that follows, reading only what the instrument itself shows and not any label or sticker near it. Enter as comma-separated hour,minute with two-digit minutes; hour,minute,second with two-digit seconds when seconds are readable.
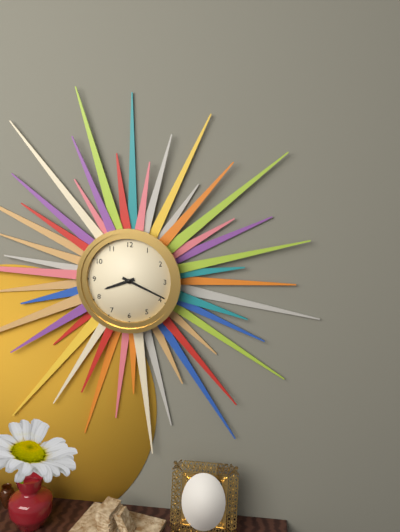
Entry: 8,19
